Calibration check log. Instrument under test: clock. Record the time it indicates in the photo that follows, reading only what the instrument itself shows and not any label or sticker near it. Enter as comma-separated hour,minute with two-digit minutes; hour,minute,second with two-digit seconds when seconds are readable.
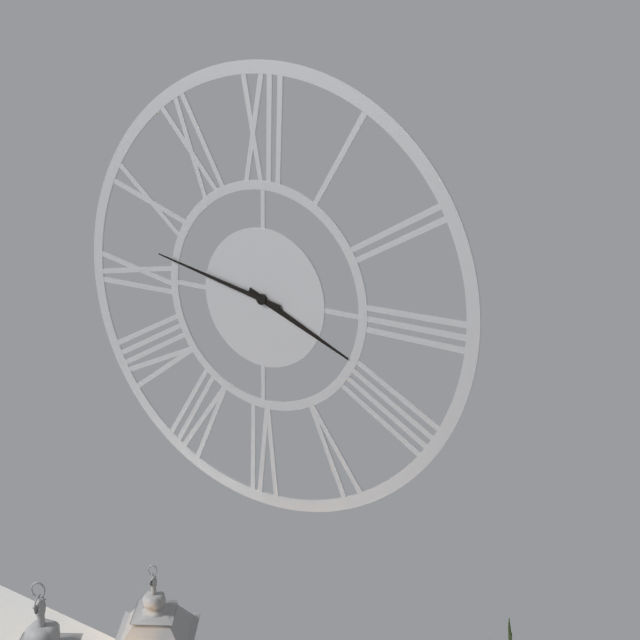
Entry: 3,47
